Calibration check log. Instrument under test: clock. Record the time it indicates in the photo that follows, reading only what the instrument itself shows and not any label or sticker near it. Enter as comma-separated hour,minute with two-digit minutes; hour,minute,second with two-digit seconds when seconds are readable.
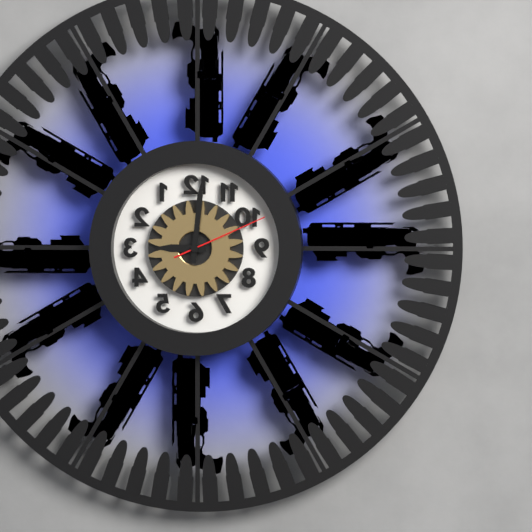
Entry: 9,01,11
